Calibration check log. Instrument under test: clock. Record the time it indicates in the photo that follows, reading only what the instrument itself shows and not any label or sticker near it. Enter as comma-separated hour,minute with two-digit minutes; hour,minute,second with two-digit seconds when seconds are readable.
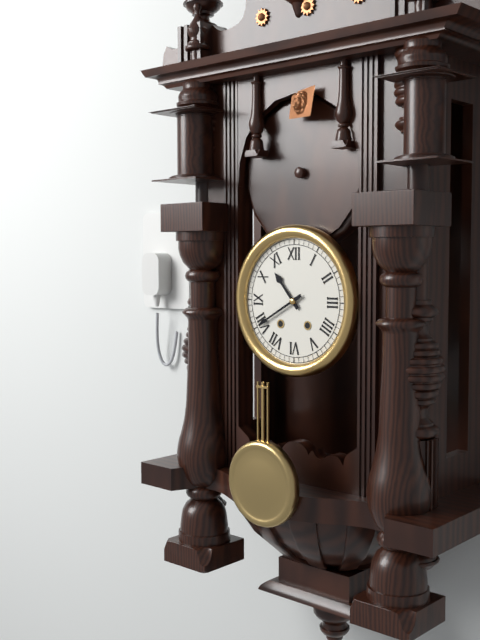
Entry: 10,40
